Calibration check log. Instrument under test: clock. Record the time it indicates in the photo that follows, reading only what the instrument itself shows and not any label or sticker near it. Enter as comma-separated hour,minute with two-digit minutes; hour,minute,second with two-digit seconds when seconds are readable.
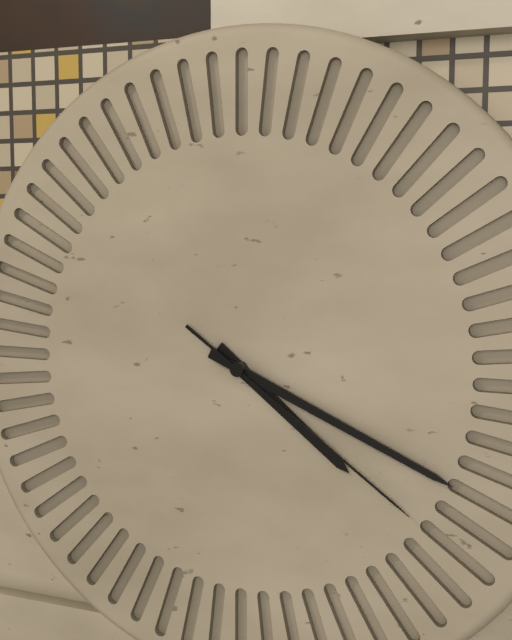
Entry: 4,19,21
